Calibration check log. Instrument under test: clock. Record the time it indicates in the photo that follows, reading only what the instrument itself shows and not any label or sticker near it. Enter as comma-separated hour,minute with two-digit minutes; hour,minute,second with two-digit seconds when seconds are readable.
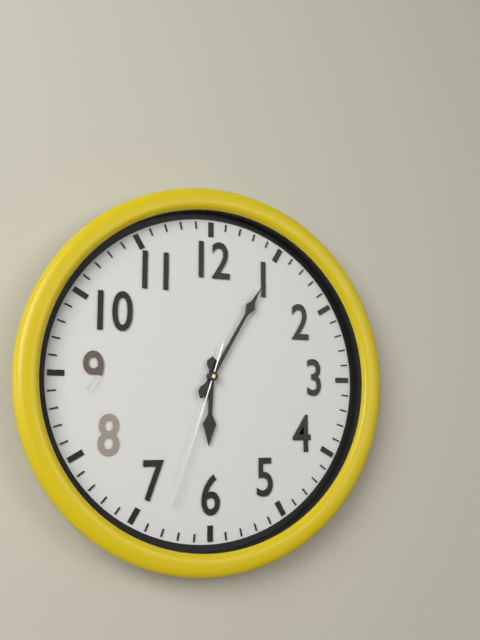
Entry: 6,05,33
